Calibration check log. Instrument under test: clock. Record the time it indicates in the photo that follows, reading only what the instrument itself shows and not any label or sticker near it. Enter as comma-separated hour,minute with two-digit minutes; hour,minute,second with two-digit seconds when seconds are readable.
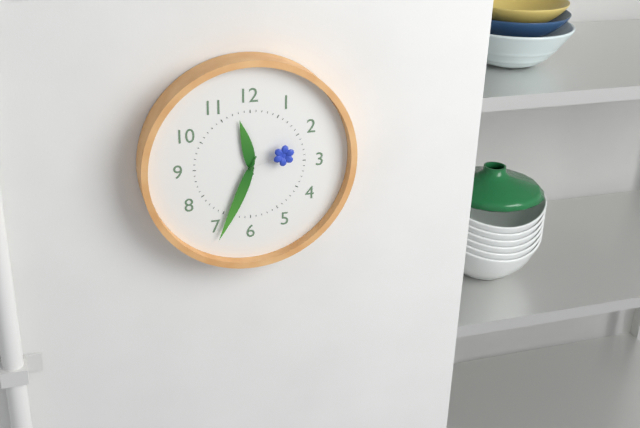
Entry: 11,34,12
